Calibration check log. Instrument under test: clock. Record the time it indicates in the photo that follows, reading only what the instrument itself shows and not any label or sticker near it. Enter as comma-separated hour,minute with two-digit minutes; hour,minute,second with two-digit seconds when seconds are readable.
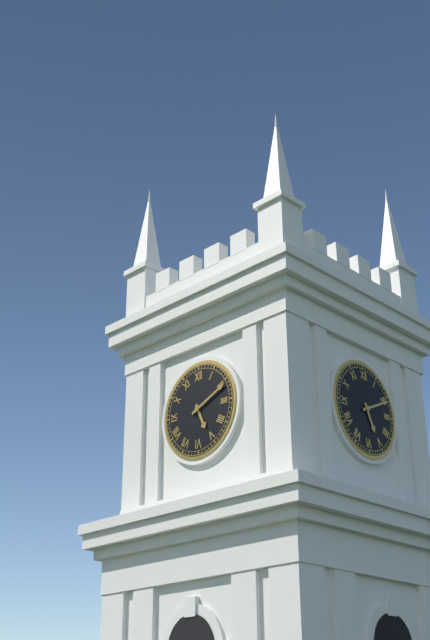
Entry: 5,11
